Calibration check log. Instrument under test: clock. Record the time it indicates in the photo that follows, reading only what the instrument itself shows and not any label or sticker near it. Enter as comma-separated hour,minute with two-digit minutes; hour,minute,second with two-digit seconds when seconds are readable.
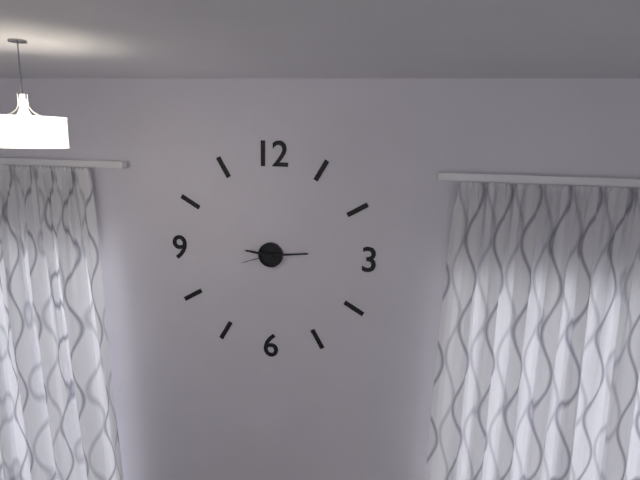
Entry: 9,14
